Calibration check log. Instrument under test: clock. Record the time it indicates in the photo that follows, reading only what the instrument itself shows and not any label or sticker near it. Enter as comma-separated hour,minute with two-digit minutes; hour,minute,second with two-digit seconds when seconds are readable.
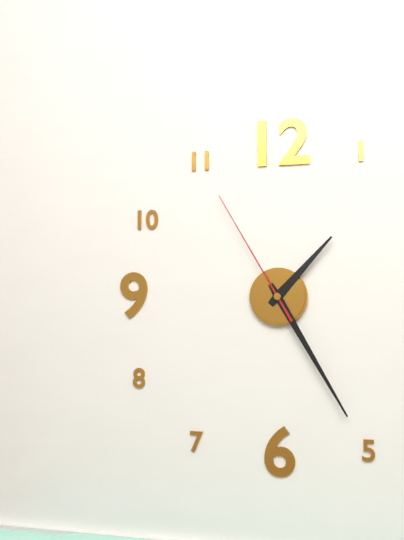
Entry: 1,25,55
